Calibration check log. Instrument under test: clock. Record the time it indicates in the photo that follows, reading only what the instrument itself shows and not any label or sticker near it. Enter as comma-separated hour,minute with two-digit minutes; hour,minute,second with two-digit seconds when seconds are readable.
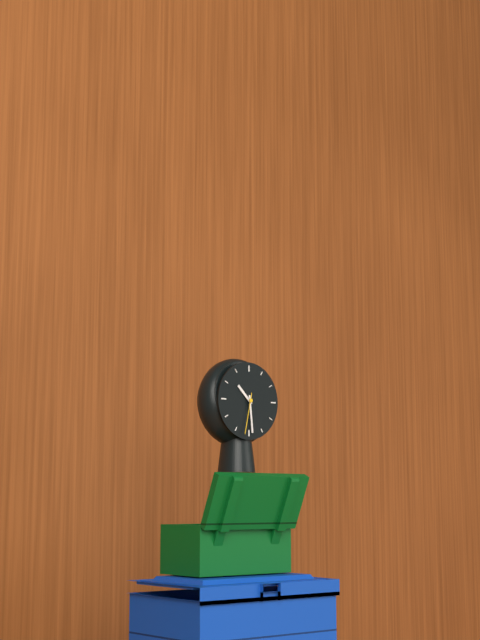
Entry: 10,29
